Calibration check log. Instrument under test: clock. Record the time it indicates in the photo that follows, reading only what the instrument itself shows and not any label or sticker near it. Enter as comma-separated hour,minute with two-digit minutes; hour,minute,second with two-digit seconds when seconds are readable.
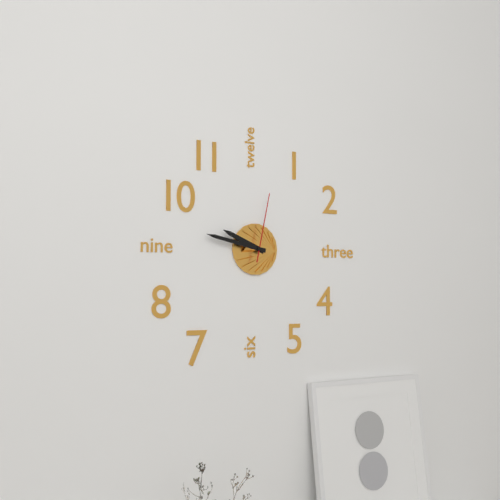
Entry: 9,47,02
